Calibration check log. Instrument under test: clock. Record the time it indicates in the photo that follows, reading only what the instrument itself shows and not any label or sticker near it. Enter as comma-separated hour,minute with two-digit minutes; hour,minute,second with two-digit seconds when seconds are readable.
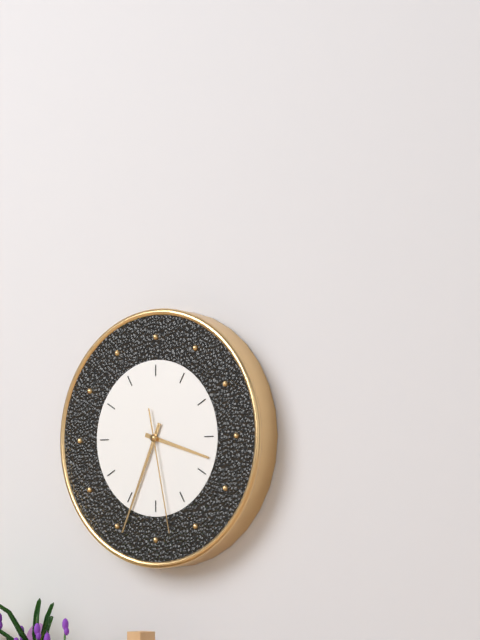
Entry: 3,34,28
